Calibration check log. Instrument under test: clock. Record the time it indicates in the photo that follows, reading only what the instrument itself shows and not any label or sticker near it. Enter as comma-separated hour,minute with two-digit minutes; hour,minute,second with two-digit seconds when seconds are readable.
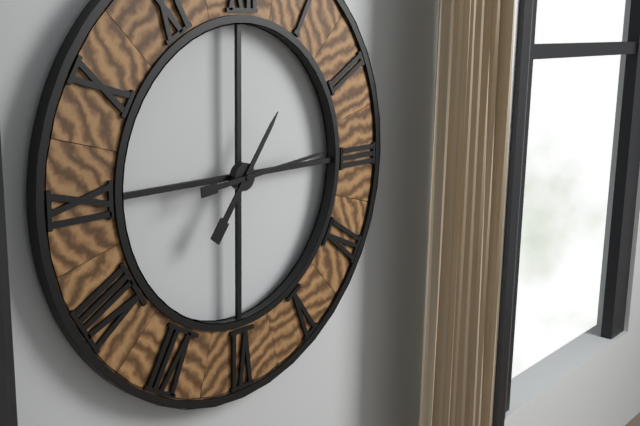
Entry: 1,14
